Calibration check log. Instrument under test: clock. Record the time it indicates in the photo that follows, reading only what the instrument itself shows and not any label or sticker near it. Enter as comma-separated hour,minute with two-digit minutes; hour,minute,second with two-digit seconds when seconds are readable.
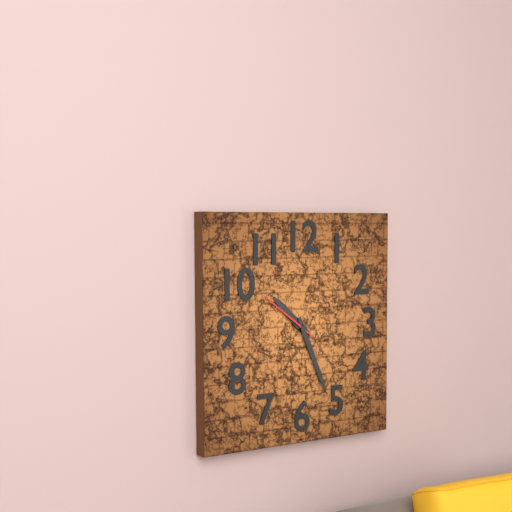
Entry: 10,26,51
